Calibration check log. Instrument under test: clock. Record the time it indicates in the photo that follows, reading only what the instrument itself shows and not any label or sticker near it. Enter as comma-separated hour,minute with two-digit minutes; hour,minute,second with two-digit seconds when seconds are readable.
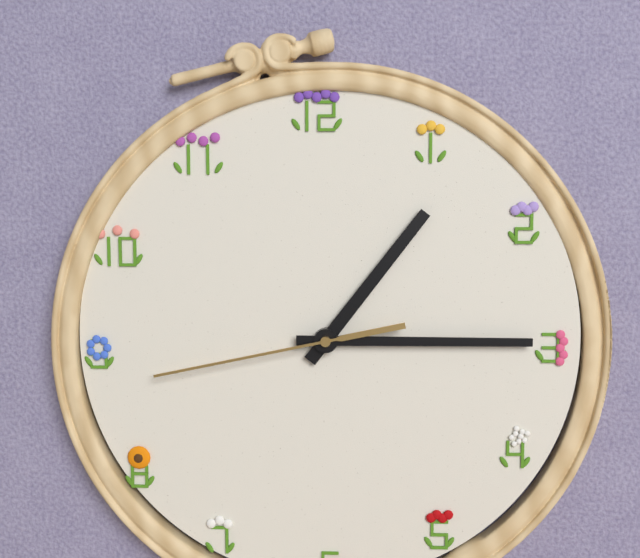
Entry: 1,15,43
